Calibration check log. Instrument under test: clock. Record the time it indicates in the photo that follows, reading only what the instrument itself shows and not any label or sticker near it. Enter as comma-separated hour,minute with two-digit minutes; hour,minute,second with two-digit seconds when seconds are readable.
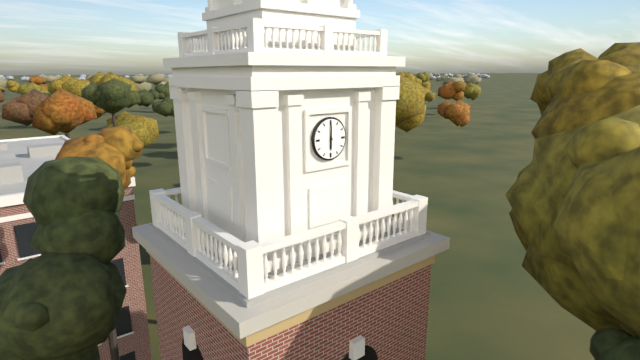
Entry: 6,00
